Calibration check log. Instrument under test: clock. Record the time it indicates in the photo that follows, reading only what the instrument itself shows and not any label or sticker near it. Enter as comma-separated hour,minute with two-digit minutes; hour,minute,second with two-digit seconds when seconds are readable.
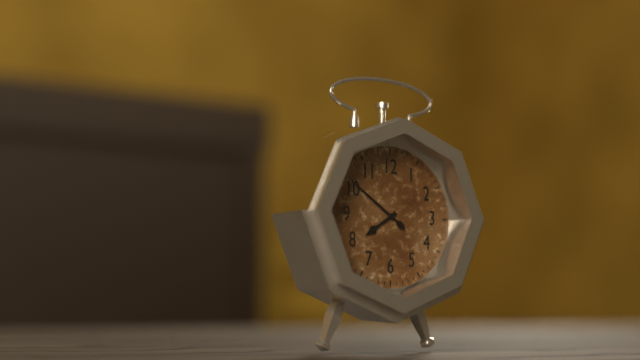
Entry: 7,51
